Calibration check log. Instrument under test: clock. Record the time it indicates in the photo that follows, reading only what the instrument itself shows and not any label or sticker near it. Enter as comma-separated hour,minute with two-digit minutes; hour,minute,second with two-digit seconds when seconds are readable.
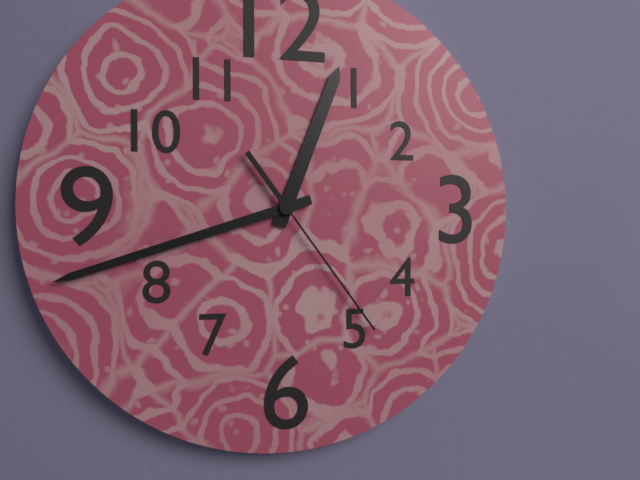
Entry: 12,42,24
